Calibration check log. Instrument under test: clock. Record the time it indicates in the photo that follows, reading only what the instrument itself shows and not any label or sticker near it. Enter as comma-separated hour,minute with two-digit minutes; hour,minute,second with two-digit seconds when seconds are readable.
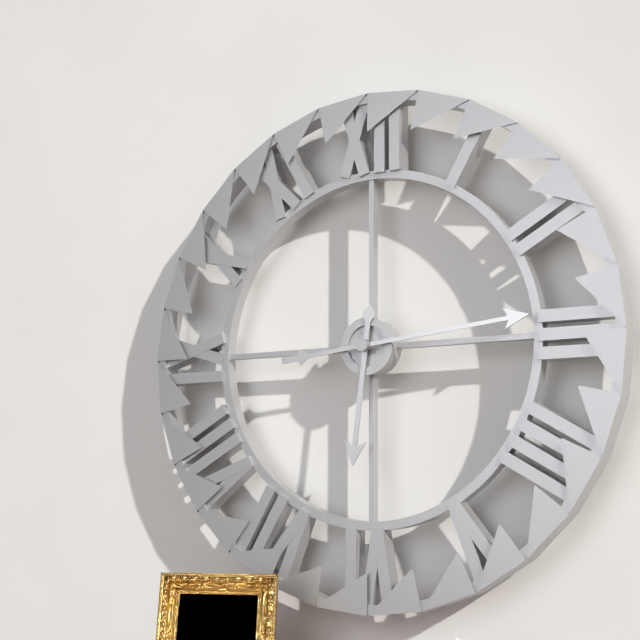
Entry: 6,14
